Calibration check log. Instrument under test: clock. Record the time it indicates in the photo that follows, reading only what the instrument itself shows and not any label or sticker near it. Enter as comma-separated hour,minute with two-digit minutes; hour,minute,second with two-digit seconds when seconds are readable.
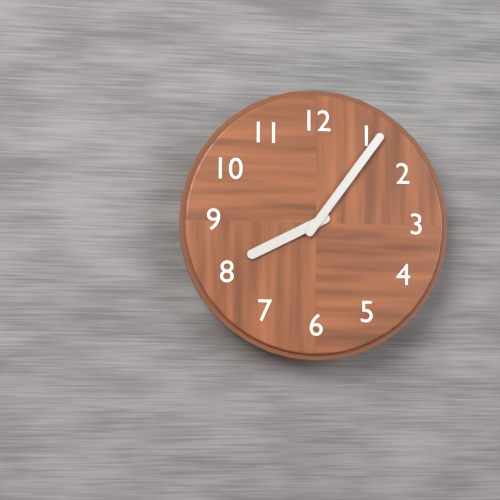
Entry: 8,06
